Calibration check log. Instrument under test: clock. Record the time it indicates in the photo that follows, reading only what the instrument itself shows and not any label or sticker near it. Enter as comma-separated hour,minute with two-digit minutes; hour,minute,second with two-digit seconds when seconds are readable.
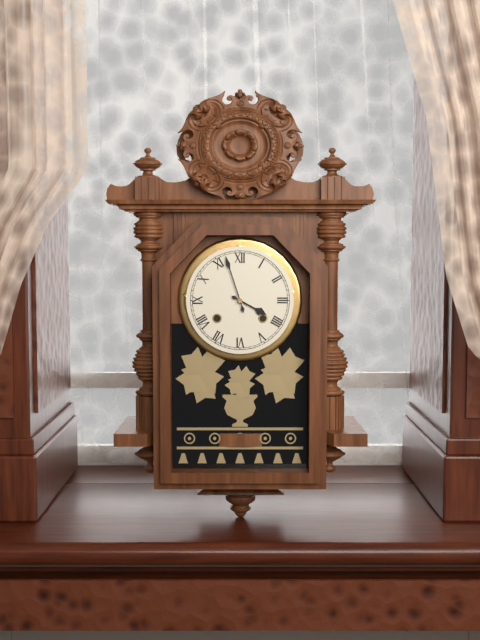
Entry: 3,57
